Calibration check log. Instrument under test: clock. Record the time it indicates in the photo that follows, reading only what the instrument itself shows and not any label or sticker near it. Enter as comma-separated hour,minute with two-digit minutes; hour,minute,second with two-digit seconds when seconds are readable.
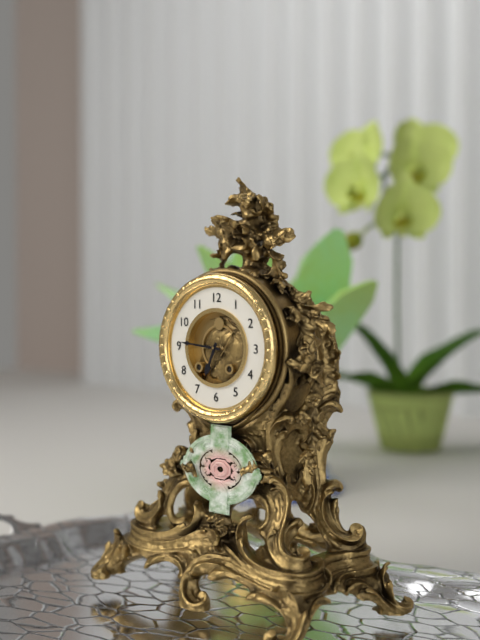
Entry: 6,46
